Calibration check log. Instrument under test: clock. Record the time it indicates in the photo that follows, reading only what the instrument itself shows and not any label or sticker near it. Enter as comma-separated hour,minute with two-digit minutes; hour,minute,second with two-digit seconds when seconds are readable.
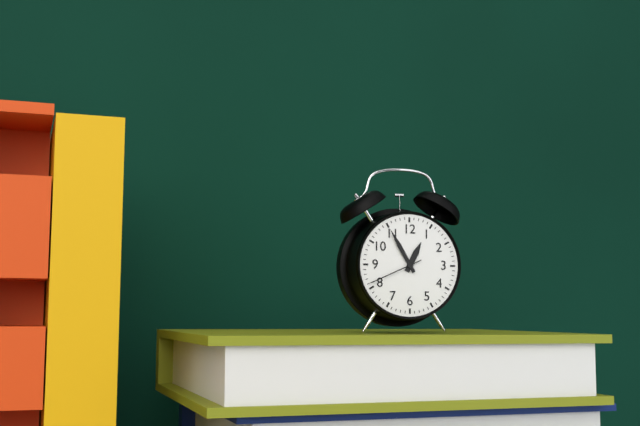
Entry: 12,55,41
